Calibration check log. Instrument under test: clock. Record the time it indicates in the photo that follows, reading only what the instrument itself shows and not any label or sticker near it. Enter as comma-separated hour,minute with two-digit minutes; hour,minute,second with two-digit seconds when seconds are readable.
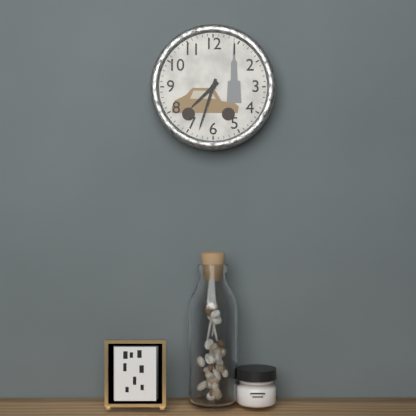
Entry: 7,33
